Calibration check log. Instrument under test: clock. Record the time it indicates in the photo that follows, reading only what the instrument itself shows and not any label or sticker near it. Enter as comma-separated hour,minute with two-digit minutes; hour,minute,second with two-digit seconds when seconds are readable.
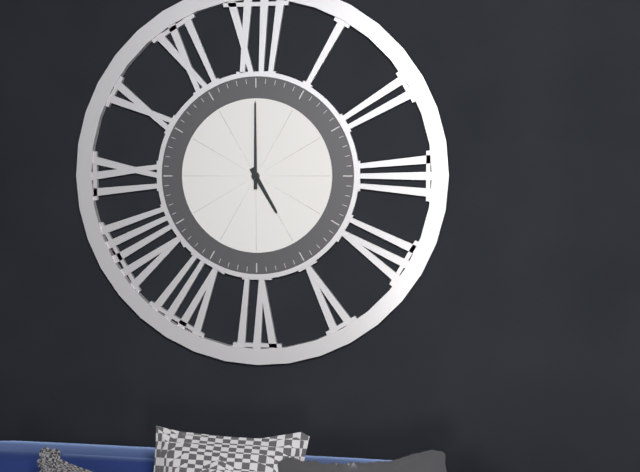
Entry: 5,00
